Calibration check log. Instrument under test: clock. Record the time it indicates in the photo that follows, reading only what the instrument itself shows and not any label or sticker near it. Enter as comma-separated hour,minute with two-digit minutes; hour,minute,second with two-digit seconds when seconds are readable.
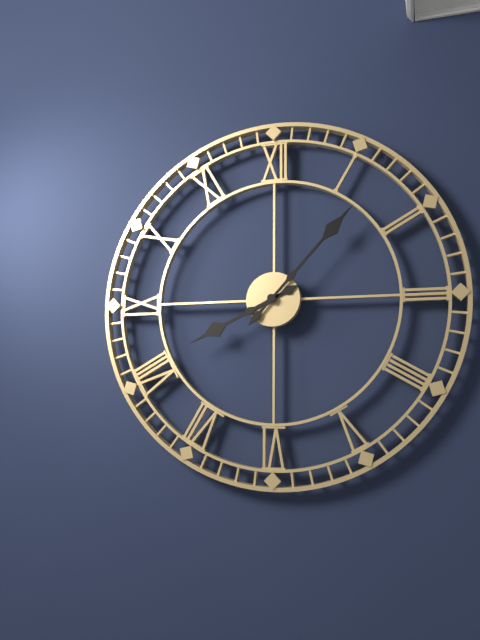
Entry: 8,07
